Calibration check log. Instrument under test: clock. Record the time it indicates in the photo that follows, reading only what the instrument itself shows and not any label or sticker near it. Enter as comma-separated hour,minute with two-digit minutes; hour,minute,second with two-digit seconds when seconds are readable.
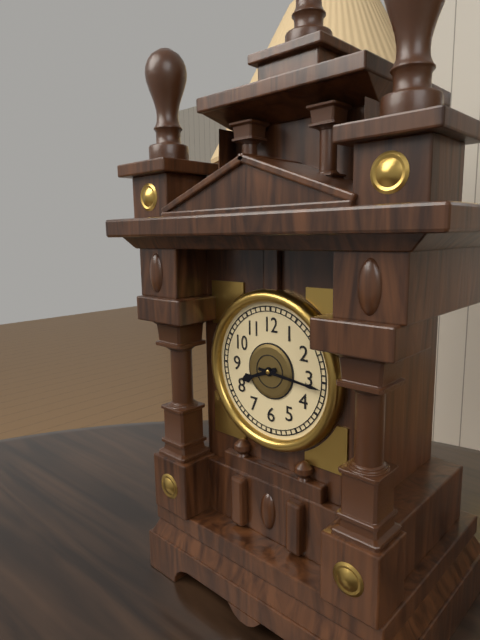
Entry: 8,16
